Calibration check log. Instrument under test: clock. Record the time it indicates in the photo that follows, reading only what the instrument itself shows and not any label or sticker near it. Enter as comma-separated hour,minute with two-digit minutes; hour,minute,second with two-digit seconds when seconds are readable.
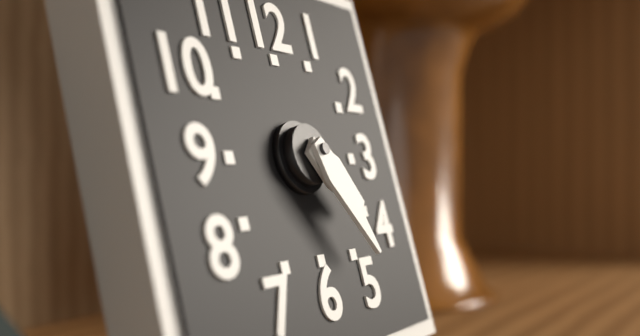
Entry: 4,25
